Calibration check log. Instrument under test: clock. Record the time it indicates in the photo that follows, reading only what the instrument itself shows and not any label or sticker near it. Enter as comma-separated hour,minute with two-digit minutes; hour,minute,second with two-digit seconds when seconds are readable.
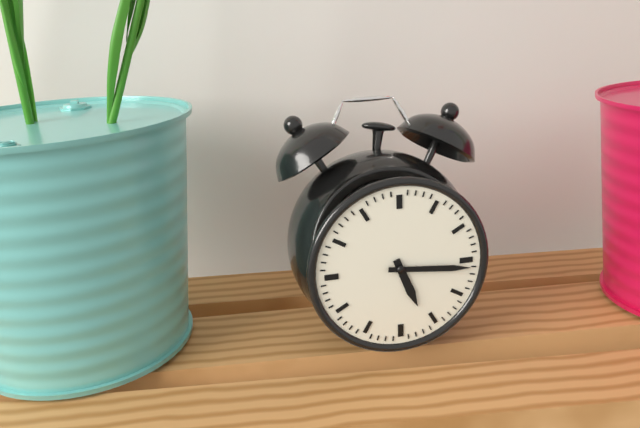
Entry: 5,16
